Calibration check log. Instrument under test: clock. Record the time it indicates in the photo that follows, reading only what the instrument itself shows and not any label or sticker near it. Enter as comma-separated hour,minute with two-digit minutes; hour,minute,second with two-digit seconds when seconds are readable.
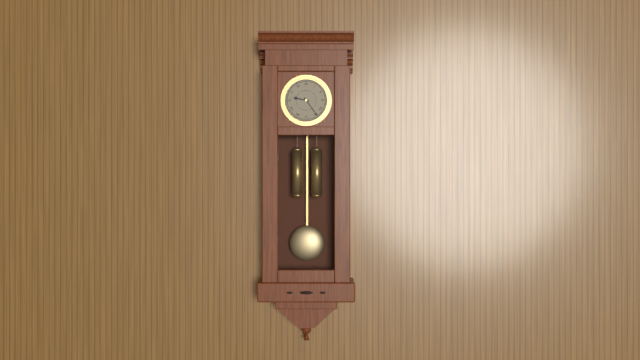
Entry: 9,24
